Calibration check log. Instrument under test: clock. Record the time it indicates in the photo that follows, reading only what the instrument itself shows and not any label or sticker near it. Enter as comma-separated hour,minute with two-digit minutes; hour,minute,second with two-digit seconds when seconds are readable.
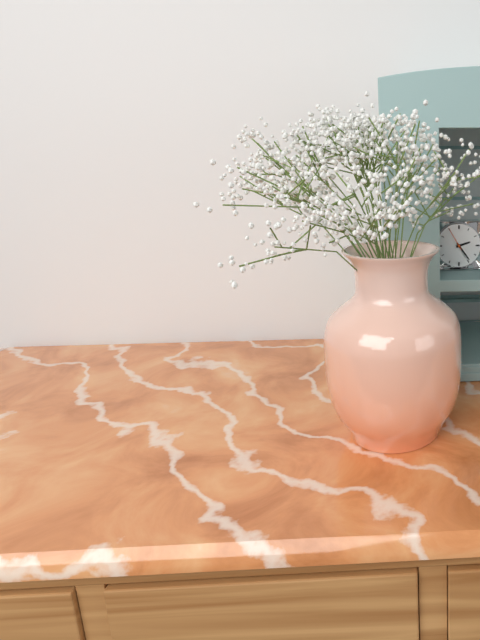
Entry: 2,24
